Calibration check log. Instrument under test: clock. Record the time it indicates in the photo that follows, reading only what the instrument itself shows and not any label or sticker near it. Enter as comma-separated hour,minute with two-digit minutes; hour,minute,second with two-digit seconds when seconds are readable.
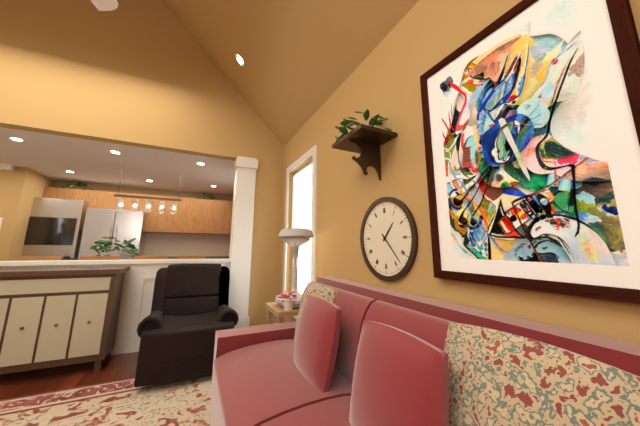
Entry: 1,23
